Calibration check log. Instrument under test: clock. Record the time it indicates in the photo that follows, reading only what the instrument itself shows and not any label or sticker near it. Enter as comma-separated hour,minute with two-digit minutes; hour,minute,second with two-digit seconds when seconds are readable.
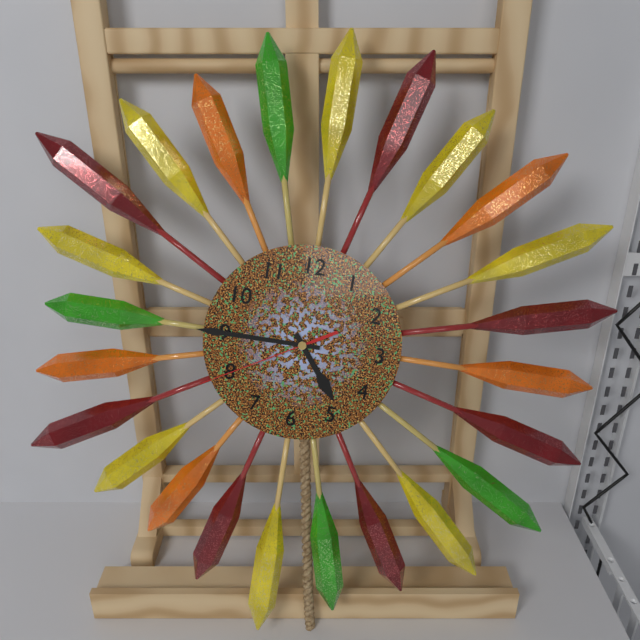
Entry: 4,45,40
